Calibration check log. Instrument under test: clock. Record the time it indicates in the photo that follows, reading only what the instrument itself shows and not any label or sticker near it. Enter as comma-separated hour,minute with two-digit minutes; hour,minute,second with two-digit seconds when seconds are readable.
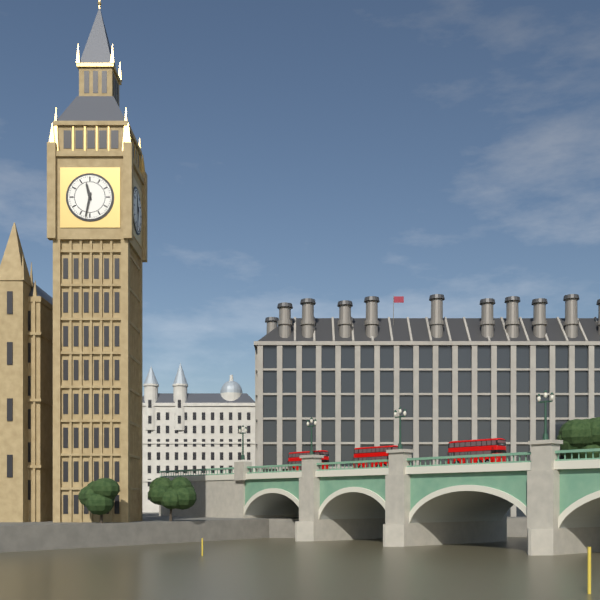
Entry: 11,32
